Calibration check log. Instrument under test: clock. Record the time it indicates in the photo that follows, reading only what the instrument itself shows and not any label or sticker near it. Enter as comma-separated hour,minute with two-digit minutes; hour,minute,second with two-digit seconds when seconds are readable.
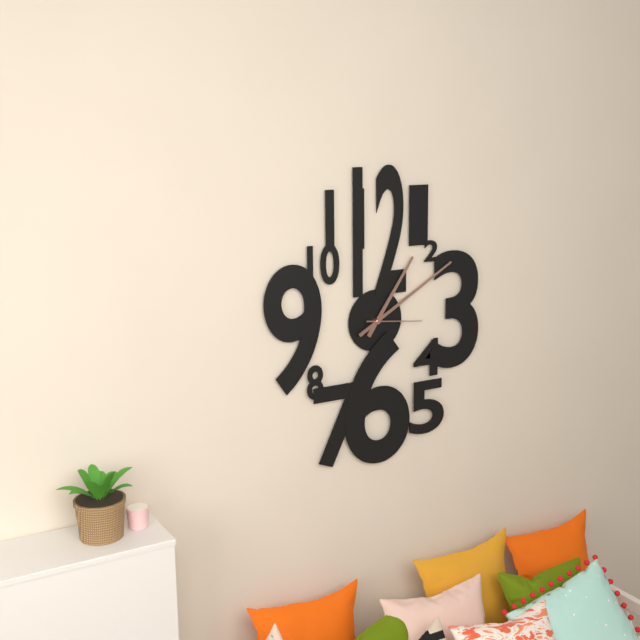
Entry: 1,10,16
